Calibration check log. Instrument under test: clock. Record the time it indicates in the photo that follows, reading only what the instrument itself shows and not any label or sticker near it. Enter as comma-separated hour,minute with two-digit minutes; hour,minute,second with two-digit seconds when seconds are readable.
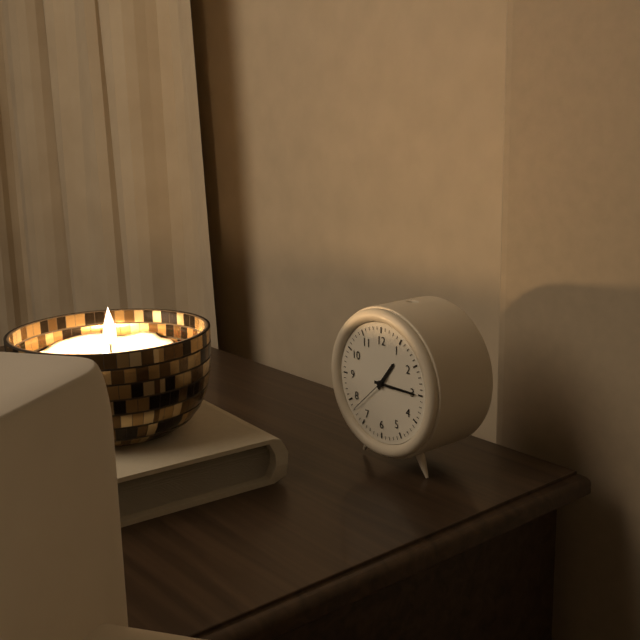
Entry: 1,15
